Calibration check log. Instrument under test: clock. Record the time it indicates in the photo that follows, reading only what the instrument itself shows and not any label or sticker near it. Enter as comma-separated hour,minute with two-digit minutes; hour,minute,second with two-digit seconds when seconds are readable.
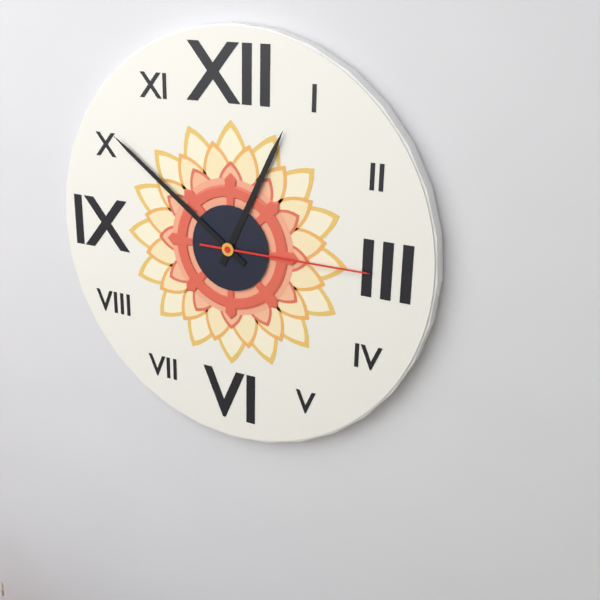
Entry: 12,51,15
